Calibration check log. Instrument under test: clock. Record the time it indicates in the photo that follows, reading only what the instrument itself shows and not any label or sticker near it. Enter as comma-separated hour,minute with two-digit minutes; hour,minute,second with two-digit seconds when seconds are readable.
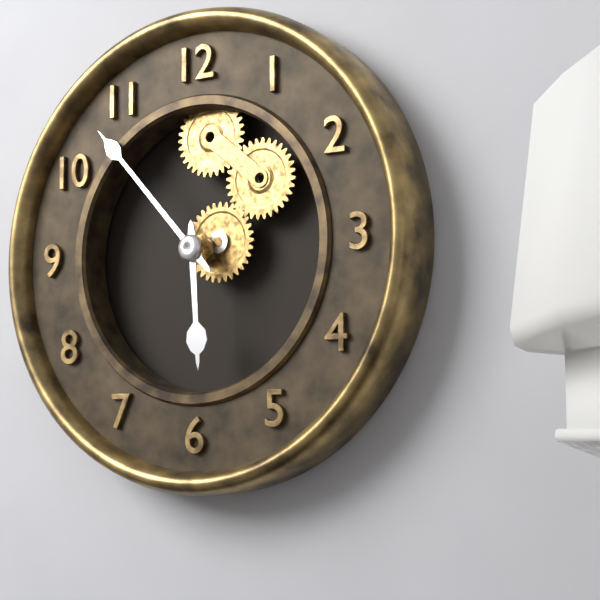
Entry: 5,53
